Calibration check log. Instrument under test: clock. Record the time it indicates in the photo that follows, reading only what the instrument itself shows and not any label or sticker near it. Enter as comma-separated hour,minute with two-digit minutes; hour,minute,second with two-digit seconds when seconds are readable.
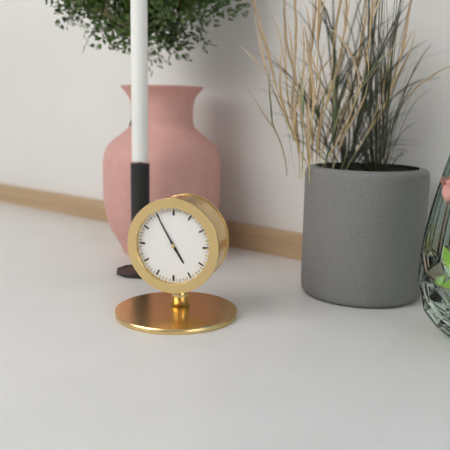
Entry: 4,55
